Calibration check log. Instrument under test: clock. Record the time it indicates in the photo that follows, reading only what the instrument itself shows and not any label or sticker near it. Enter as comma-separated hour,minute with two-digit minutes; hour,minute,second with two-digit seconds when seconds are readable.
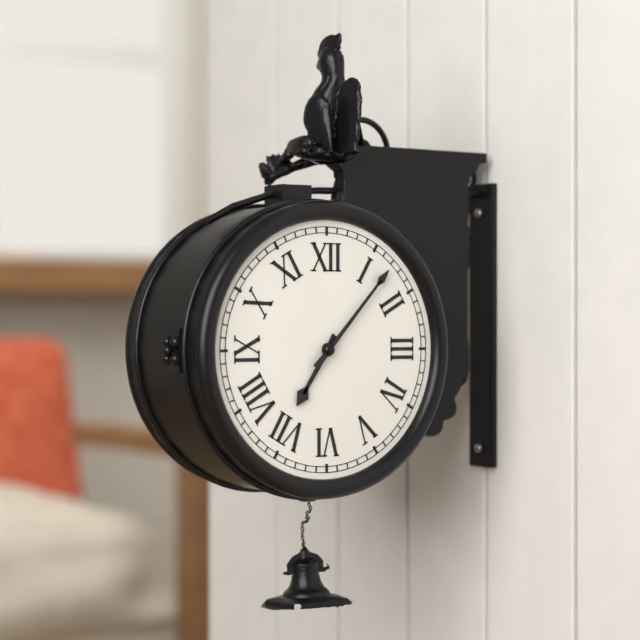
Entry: 7,07
